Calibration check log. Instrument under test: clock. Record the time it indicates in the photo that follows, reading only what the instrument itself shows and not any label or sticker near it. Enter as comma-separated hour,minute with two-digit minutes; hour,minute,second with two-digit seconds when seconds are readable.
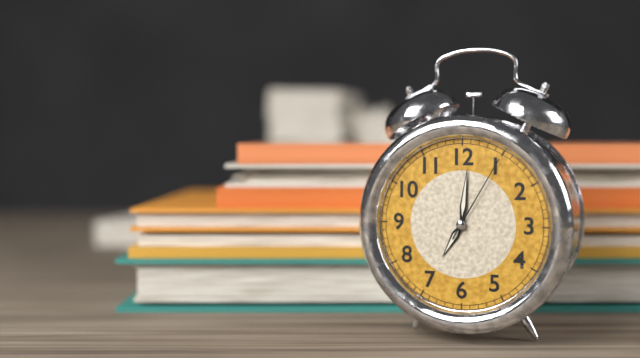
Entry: 7,01,05
